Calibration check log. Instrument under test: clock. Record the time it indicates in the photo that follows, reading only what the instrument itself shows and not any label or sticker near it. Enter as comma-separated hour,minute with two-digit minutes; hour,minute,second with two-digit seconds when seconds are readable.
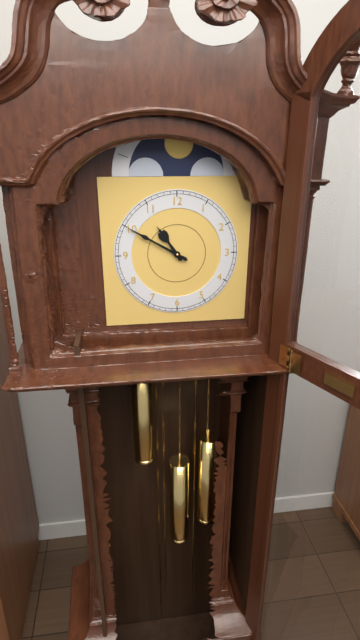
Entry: 10,50
